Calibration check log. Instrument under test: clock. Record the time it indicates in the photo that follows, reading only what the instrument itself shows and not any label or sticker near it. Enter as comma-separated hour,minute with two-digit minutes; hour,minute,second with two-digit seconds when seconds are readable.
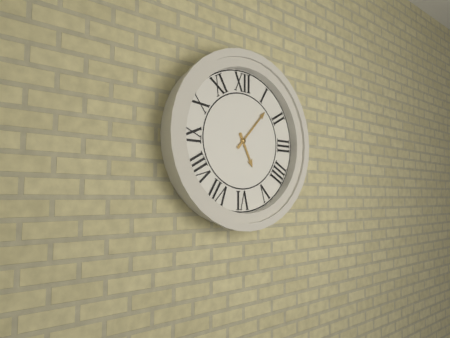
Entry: 5,07
